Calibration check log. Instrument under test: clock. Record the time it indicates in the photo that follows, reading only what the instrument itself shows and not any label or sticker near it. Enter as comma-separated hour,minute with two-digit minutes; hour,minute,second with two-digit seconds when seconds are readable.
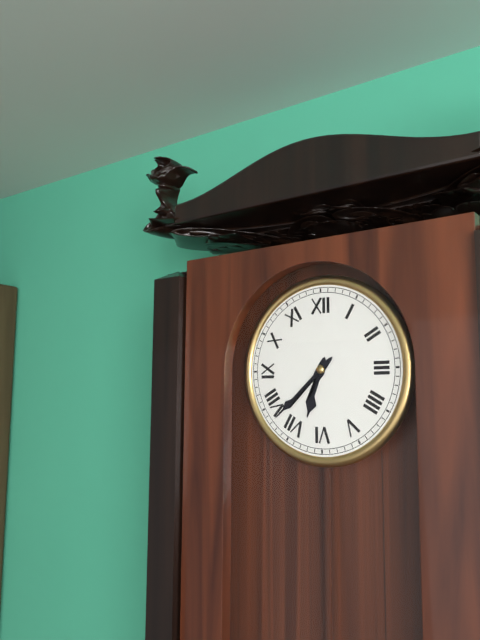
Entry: 6,38
